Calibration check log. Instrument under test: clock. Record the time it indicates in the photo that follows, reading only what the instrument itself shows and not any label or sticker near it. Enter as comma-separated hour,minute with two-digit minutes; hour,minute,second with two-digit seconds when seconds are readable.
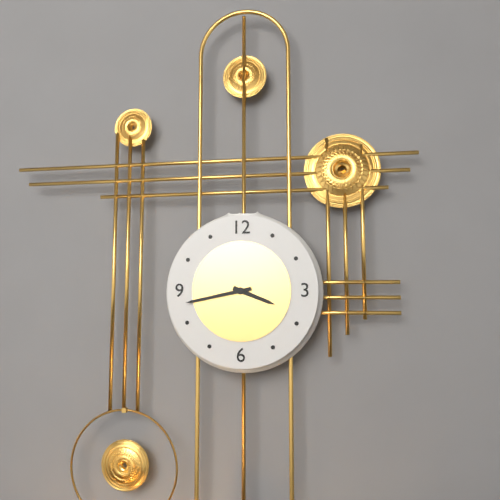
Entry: 3,43
